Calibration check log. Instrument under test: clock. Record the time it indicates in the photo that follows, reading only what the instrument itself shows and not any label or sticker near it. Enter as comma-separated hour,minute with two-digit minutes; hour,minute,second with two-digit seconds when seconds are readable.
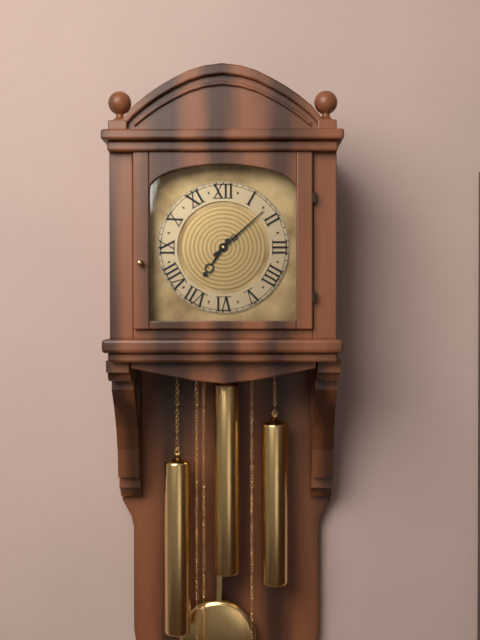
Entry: 7,08
